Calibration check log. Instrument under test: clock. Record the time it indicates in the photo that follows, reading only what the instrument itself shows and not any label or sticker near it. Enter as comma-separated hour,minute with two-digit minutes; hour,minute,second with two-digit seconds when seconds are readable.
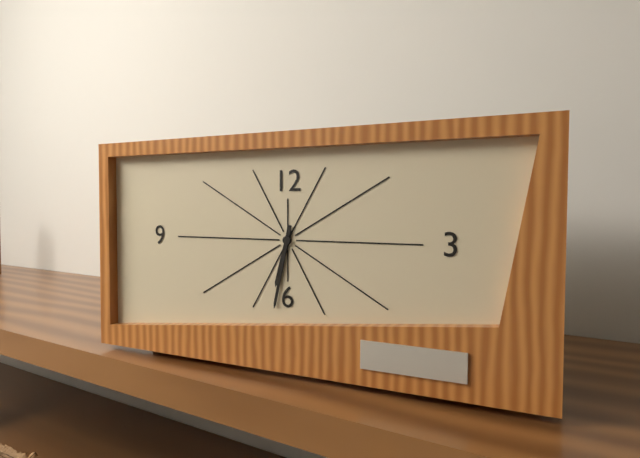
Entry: 6,32
